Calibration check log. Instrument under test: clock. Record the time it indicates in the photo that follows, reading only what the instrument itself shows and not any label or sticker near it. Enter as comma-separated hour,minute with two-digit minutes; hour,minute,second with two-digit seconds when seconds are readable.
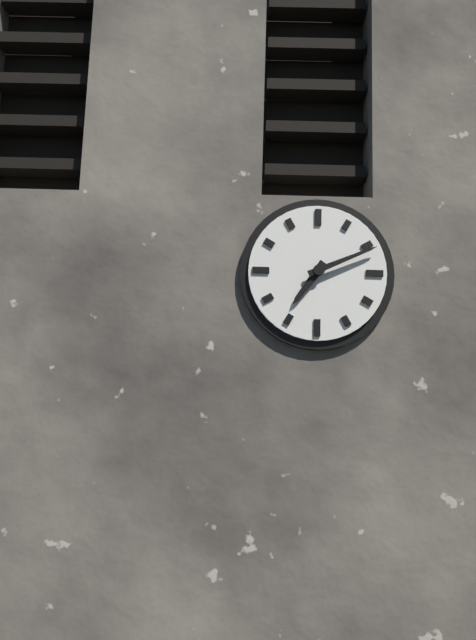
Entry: 7,11
